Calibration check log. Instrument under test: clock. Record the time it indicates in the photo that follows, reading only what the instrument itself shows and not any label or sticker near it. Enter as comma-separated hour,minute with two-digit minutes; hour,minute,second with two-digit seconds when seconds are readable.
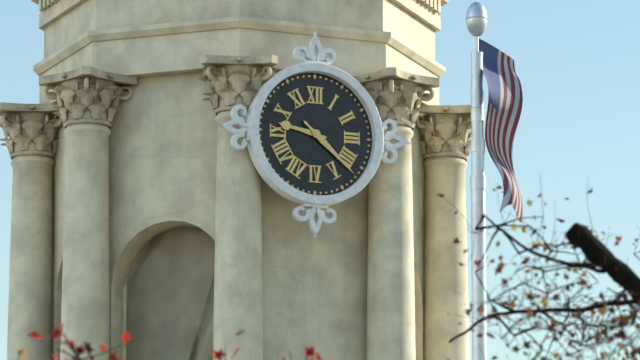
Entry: 9,22
